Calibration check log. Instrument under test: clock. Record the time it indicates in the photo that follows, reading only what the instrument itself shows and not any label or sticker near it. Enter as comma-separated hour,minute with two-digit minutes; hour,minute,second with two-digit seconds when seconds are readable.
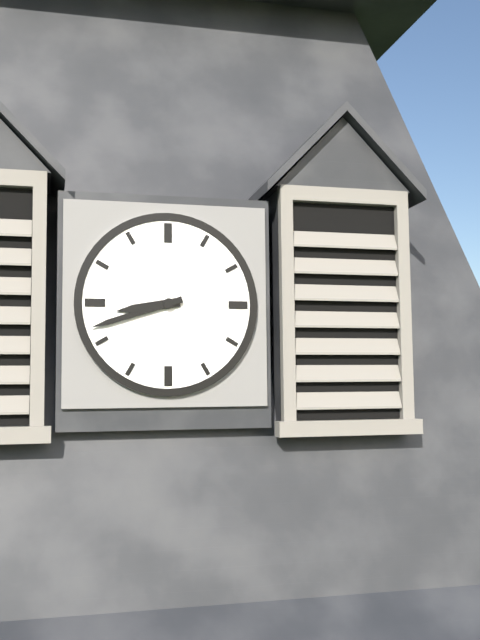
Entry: 8,42
